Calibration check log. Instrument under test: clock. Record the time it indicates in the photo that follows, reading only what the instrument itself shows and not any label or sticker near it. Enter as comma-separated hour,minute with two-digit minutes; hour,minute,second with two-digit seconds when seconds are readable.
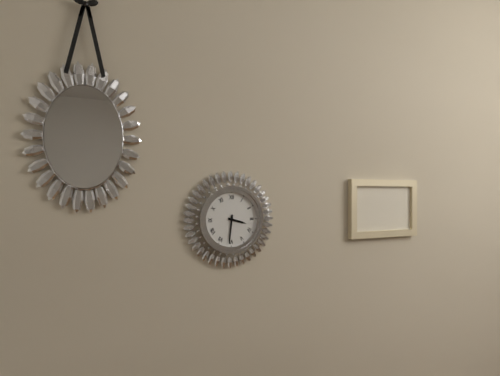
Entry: 3,31
